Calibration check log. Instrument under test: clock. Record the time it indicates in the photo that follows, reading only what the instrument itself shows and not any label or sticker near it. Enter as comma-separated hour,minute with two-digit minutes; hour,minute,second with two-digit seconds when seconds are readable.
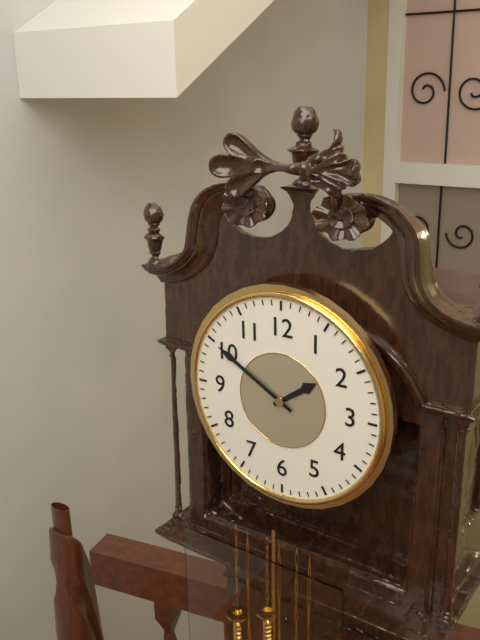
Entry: 1,50
